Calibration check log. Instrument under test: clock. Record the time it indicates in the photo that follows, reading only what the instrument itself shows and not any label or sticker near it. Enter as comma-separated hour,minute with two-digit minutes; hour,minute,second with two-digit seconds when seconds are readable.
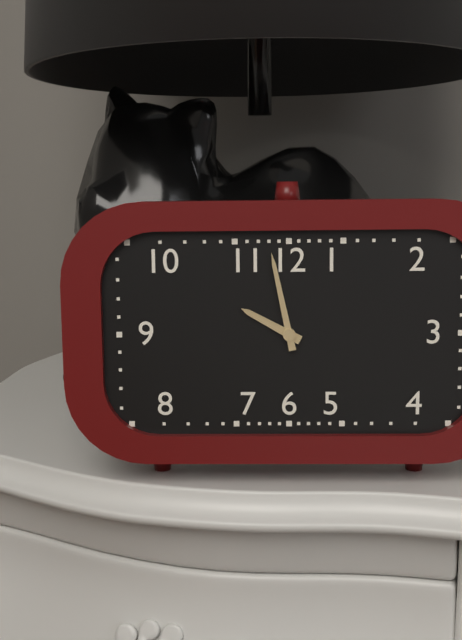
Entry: 9,58
